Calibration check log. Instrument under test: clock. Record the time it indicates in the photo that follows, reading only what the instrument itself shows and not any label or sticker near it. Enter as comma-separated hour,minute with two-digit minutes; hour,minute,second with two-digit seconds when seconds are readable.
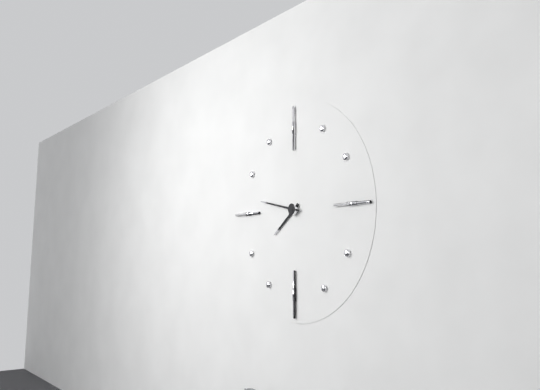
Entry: 7,47
